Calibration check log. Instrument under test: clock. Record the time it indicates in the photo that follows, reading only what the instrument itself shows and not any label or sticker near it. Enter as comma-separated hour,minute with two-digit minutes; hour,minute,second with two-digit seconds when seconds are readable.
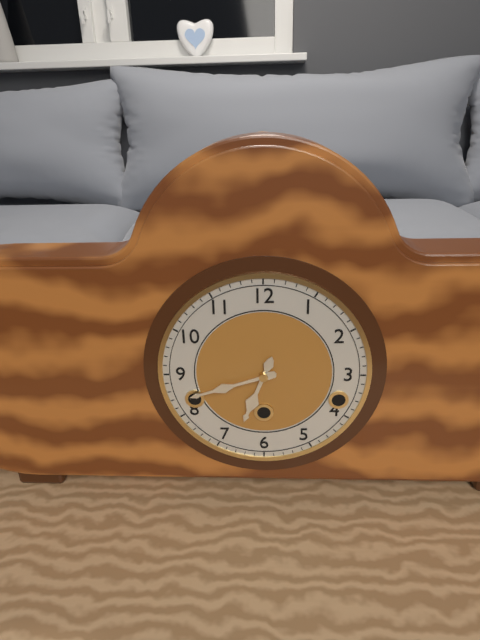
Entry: 6,42
